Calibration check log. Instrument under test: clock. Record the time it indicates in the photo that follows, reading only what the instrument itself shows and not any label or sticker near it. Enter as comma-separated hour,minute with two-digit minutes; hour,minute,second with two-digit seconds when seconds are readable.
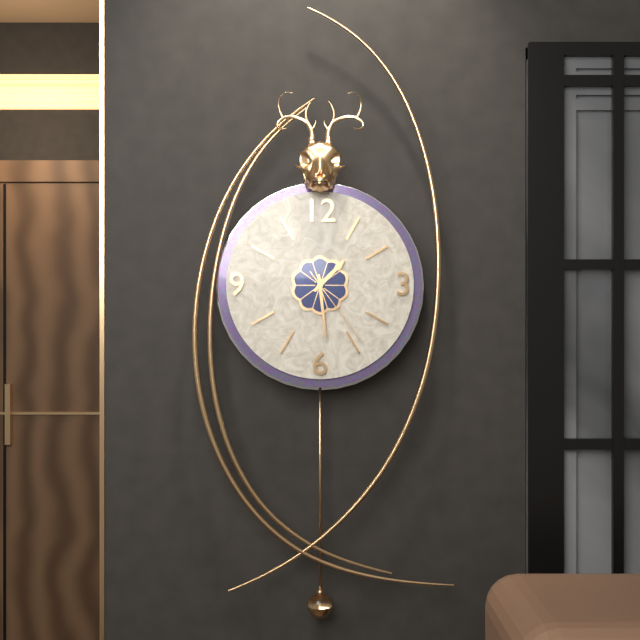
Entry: 1,29,24
